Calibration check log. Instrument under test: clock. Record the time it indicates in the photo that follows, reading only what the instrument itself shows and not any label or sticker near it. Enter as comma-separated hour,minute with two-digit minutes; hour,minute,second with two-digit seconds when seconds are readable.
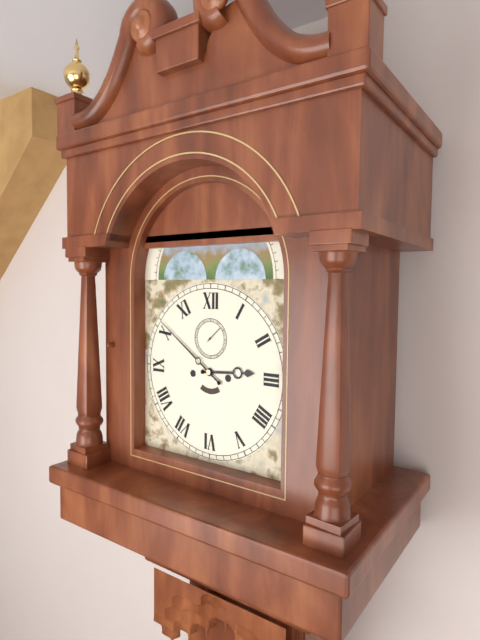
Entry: 2,51
